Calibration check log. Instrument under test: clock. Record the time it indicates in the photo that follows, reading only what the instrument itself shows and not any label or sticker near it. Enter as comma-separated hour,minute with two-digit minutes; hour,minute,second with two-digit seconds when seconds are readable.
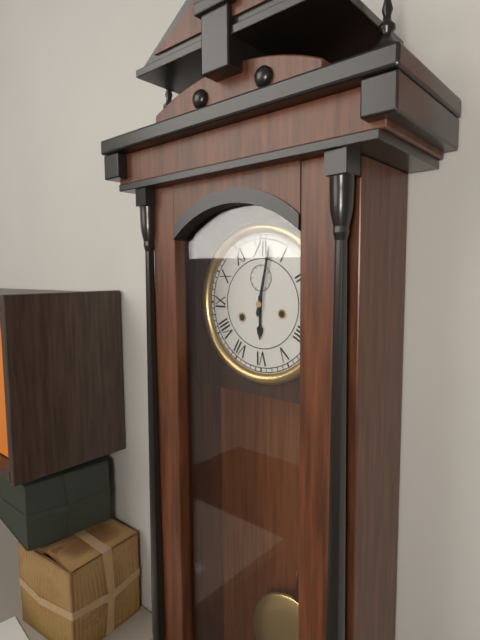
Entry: 6,02
